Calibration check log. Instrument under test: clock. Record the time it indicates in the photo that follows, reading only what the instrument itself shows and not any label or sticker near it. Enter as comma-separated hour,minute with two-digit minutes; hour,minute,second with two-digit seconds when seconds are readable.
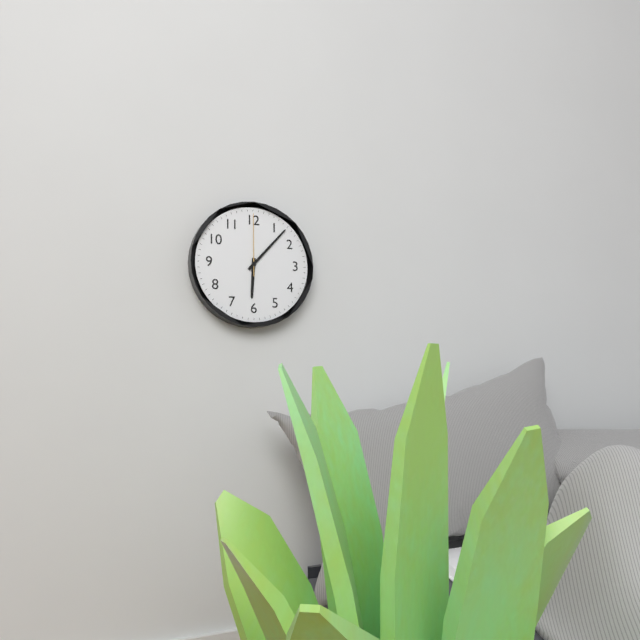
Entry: 6,07,00
